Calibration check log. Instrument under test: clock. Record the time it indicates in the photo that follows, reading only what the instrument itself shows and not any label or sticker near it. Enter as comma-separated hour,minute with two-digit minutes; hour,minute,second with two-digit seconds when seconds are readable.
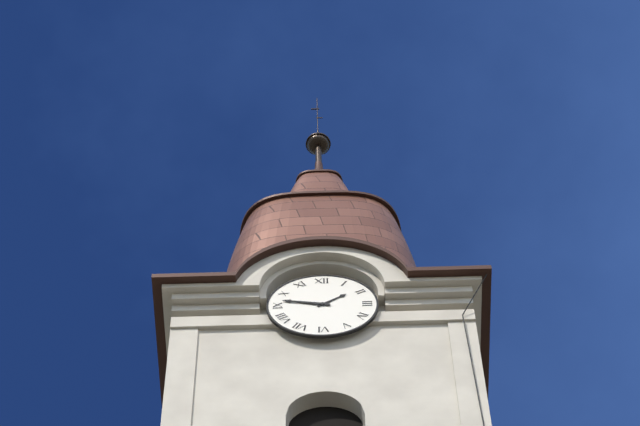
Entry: 1,47
